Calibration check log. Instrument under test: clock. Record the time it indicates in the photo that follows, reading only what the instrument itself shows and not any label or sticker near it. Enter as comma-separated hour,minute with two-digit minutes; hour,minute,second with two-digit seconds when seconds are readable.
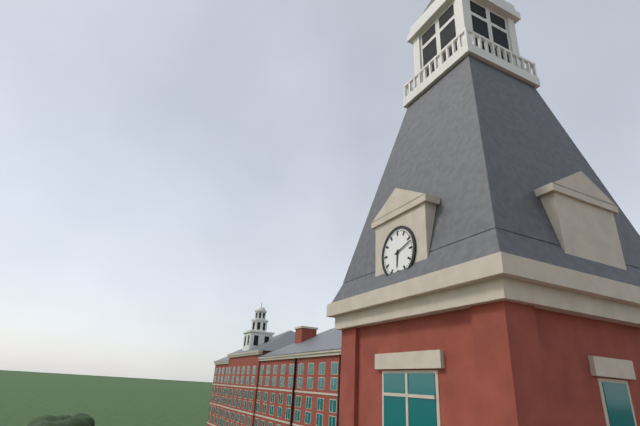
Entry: 6,12
